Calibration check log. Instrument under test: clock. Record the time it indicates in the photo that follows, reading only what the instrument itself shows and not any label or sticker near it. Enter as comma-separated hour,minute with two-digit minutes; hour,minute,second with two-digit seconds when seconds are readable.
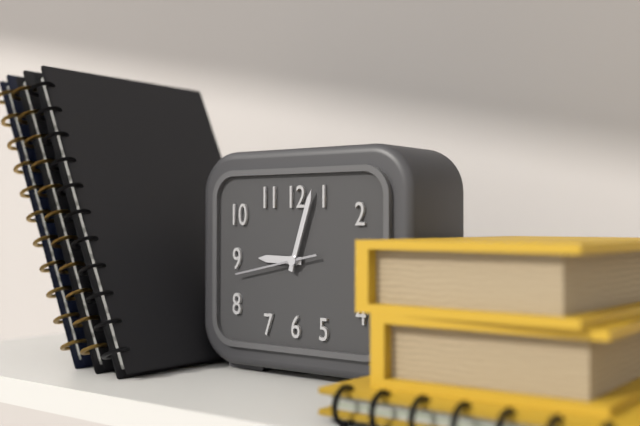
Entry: 9,03,43
